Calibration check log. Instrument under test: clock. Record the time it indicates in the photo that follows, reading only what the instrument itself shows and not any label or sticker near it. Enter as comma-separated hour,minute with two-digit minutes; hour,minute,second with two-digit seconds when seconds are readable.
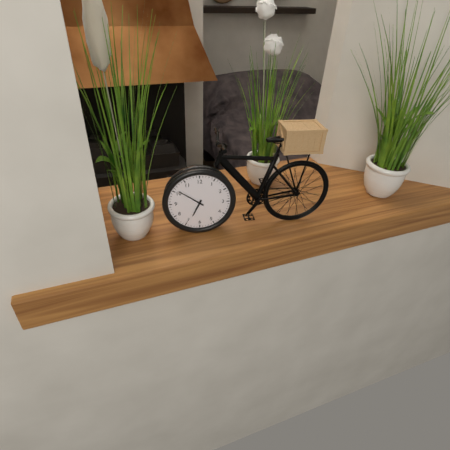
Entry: 6,51
